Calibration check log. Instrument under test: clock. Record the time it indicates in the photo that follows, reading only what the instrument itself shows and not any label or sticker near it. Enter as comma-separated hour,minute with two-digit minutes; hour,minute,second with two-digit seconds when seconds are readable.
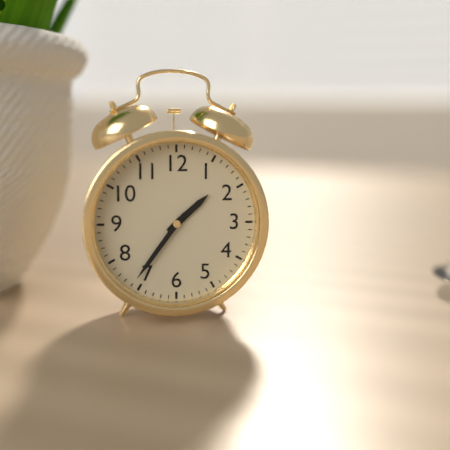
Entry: 1,36
